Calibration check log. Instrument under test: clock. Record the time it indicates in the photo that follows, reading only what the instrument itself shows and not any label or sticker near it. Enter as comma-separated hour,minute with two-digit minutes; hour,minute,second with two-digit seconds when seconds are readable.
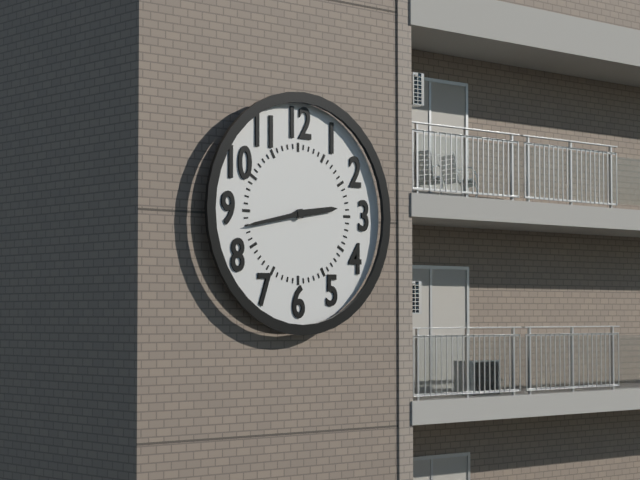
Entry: 2,43
